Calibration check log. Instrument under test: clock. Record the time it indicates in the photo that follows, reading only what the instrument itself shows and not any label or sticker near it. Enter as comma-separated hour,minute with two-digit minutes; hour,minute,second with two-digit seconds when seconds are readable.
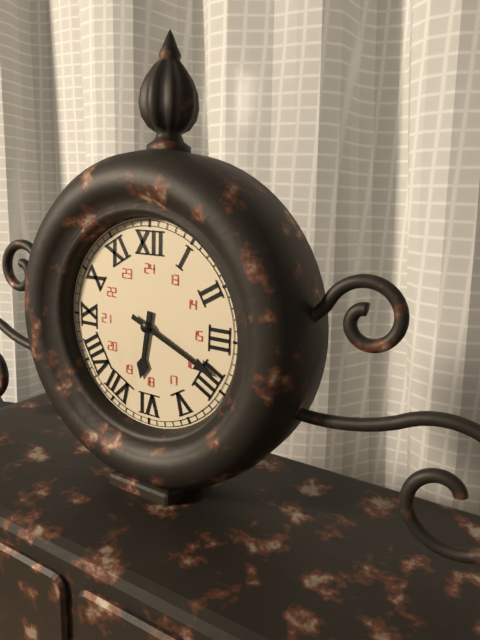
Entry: 6,19
